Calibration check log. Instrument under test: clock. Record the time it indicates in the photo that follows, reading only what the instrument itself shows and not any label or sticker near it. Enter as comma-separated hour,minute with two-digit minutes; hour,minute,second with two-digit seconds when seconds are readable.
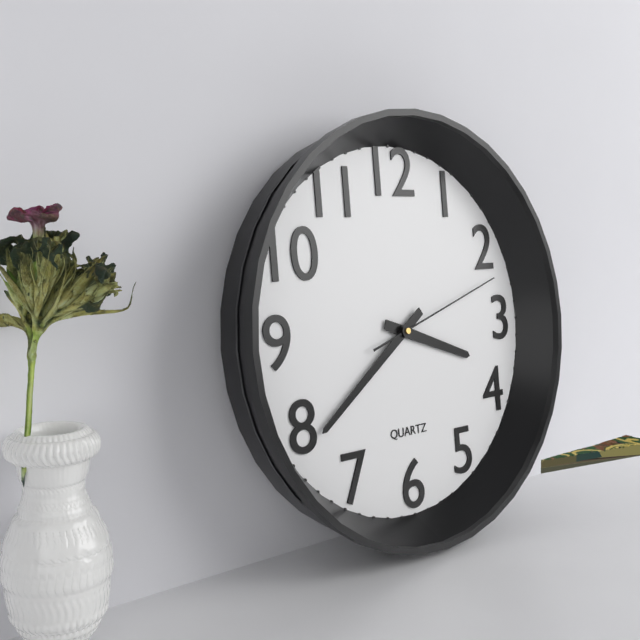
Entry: 3,39,12
